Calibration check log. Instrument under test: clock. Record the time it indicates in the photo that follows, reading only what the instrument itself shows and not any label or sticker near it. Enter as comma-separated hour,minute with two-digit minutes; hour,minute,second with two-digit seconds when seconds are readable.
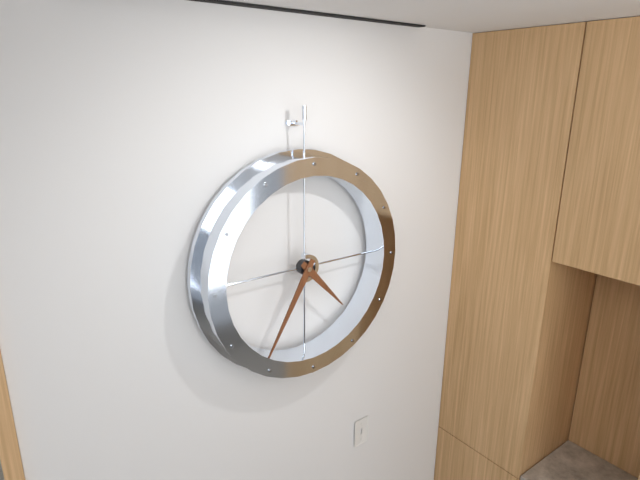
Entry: 4,35
